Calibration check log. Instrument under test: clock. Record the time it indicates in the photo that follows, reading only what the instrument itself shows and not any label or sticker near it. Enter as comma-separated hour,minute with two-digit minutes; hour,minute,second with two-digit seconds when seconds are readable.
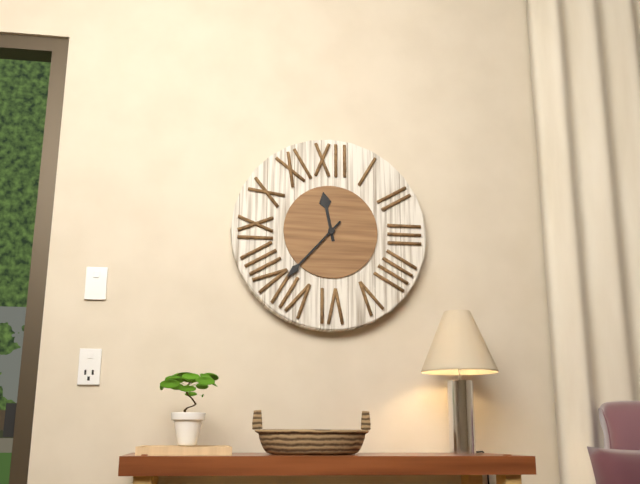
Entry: 11,37
